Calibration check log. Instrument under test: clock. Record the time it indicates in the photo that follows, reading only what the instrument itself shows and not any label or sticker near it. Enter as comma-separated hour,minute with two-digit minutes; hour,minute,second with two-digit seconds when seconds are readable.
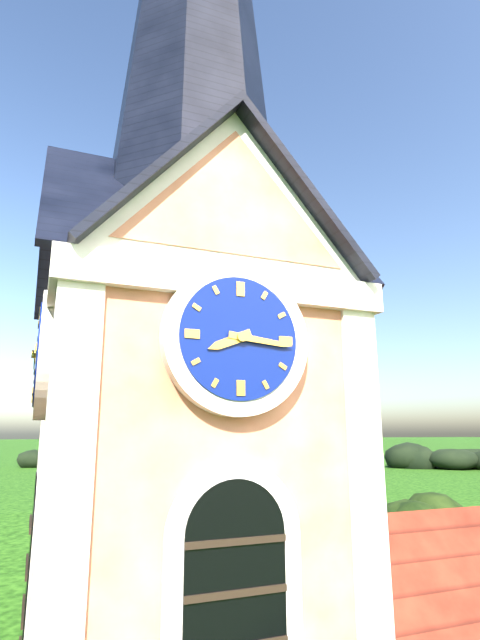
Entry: 8,16
